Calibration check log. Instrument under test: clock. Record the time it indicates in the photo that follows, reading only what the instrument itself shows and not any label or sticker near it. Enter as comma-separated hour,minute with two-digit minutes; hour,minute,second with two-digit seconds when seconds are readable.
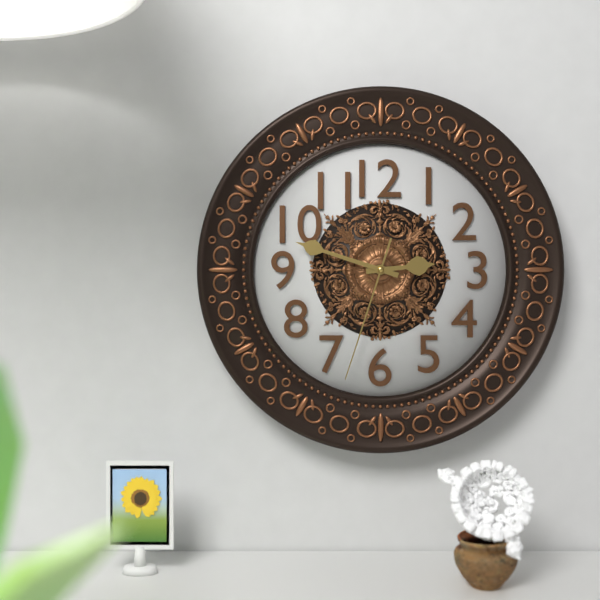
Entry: 2,48,33
